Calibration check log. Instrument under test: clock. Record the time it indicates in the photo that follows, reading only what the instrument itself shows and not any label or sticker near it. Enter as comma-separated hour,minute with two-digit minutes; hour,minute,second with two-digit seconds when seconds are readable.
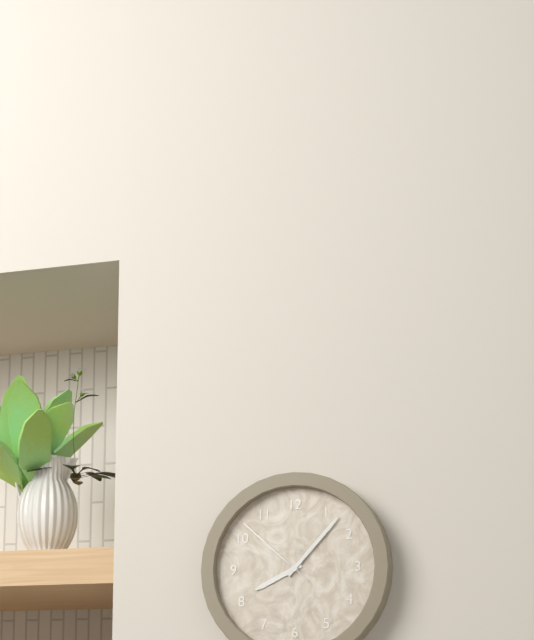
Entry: 8,07,52
